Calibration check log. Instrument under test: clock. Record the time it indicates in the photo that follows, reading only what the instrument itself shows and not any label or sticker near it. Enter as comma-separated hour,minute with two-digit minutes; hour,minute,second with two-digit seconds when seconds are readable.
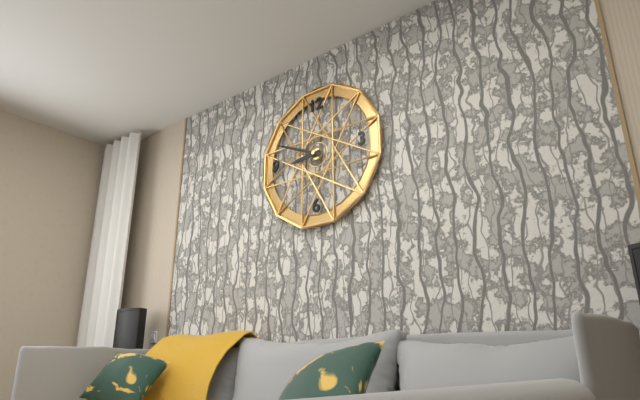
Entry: 8,49
